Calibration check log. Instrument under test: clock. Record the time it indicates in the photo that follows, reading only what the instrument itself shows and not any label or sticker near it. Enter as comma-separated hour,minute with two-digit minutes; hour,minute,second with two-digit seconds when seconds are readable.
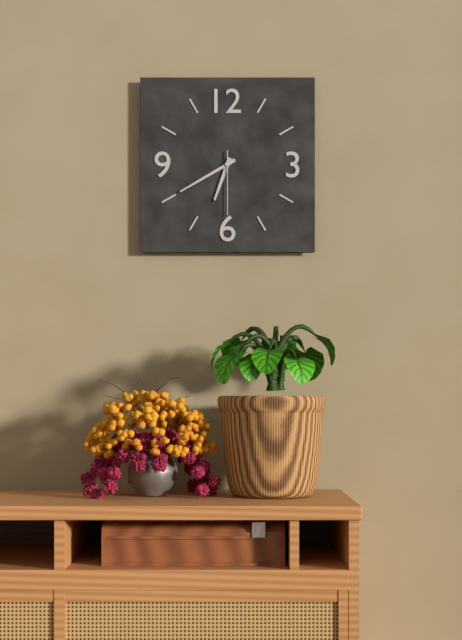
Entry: 6,40,30
